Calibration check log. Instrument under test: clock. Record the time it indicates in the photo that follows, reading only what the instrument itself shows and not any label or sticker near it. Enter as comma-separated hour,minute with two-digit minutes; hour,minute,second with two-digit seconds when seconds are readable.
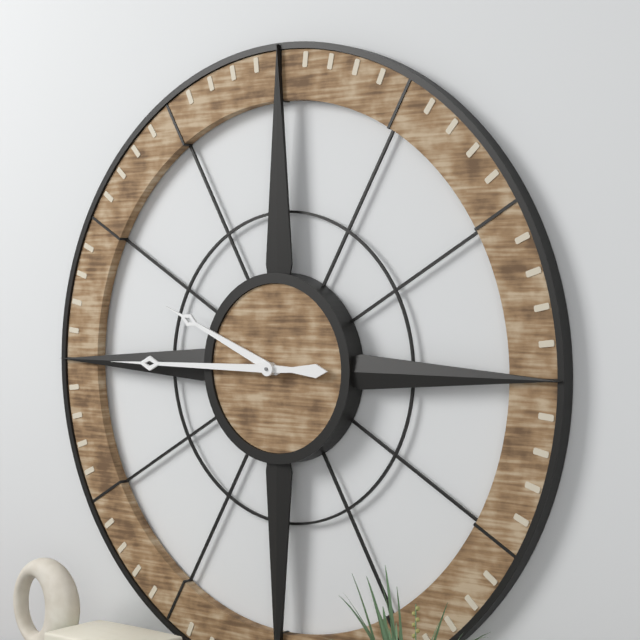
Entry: 9,45
